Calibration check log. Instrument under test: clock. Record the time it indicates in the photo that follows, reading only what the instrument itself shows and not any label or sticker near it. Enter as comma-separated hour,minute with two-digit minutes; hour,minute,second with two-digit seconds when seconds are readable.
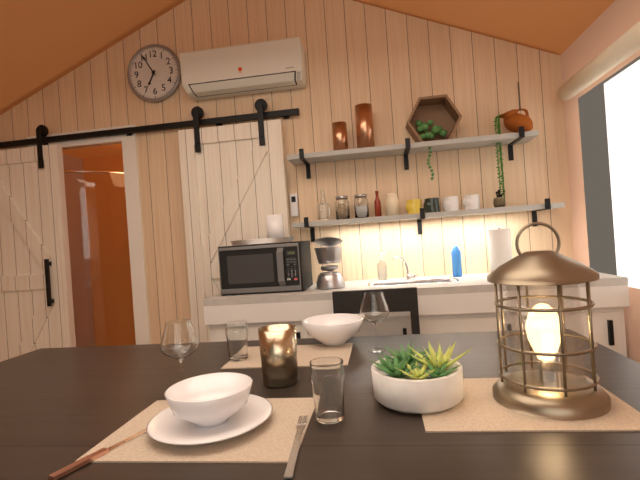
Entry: 6,55
